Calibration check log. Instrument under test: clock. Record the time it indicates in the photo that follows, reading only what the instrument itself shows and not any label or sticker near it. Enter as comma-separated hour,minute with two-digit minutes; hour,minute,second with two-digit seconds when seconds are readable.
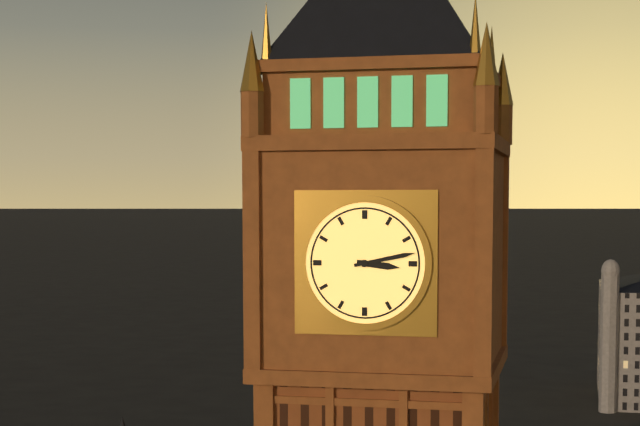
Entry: 3,13
